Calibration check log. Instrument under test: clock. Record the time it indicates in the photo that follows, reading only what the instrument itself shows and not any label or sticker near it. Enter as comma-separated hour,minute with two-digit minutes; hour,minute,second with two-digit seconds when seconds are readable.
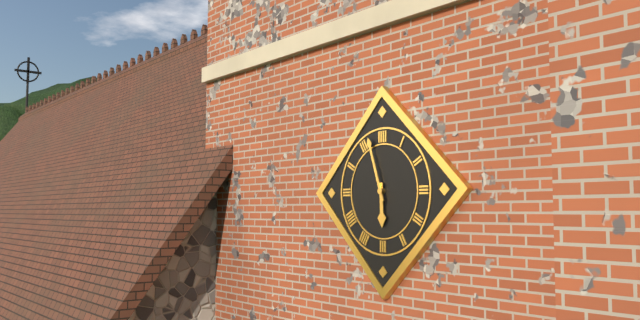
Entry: 5,57
